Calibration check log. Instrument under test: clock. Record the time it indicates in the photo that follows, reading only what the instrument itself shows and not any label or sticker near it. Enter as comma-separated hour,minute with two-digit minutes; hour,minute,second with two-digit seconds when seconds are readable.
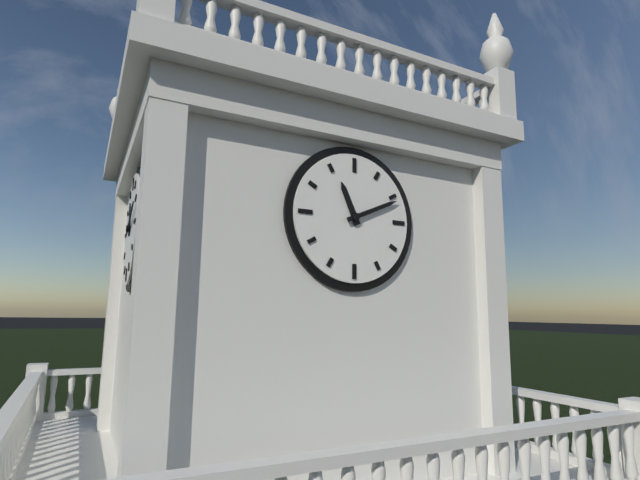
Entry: 11,11
